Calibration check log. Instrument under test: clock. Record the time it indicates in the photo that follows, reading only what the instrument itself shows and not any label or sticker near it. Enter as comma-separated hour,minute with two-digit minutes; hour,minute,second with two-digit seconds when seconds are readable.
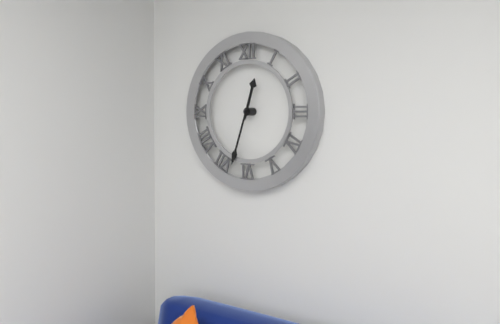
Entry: 12,33
